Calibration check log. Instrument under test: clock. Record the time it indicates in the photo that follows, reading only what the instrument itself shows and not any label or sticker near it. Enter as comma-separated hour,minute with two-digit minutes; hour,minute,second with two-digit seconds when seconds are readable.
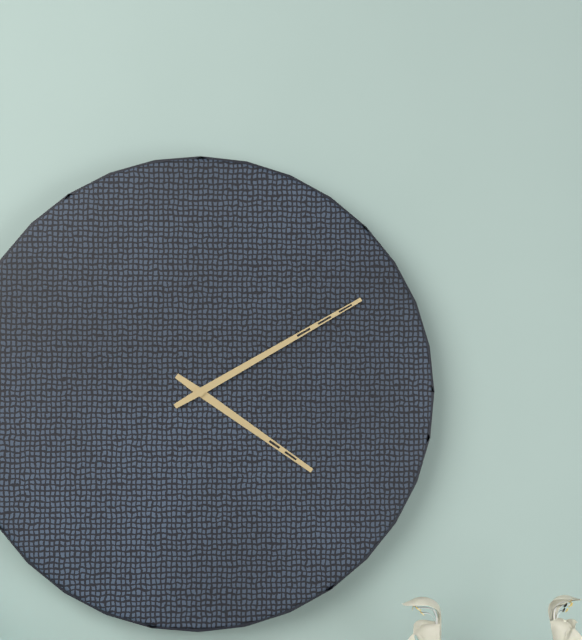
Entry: 4,10
